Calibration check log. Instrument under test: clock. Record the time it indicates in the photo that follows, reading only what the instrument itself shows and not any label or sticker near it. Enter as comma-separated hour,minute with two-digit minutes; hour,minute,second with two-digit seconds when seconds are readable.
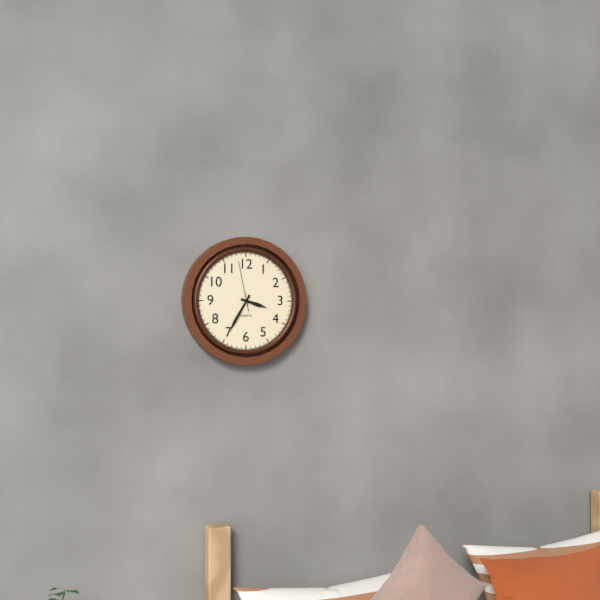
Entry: 3,35,58
